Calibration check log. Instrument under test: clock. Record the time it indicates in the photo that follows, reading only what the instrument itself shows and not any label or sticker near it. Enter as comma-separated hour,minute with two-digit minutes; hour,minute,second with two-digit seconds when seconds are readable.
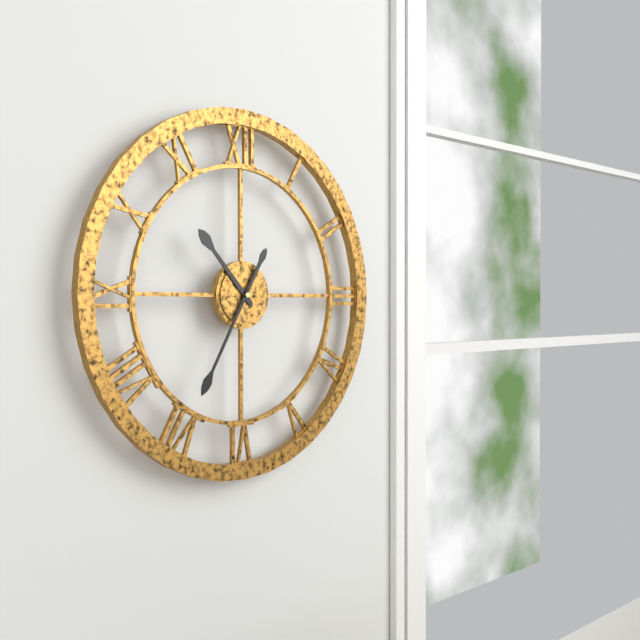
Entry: 10,35
